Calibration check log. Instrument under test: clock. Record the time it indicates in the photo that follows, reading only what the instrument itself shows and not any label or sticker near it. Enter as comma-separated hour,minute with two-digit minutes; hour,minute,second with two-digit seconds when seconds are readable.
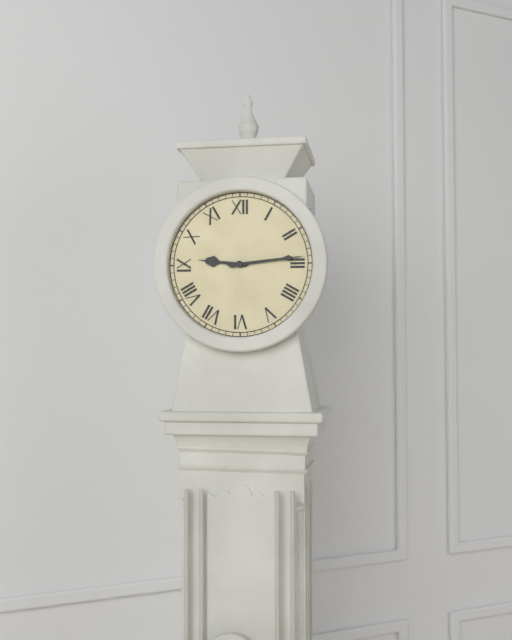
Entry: 9,14
